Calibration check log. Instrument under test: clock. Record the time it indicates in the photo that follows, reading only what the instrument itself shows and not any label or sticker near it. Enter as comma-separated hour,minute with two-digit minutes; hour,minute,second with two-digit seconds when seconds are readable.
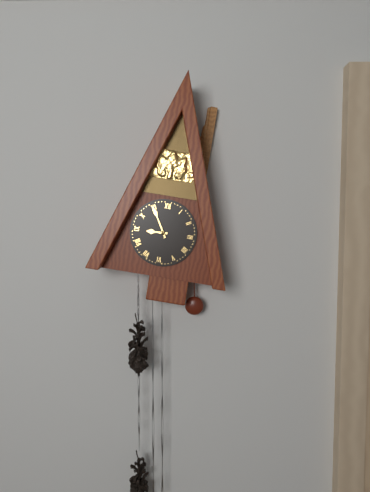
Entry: 8,55
